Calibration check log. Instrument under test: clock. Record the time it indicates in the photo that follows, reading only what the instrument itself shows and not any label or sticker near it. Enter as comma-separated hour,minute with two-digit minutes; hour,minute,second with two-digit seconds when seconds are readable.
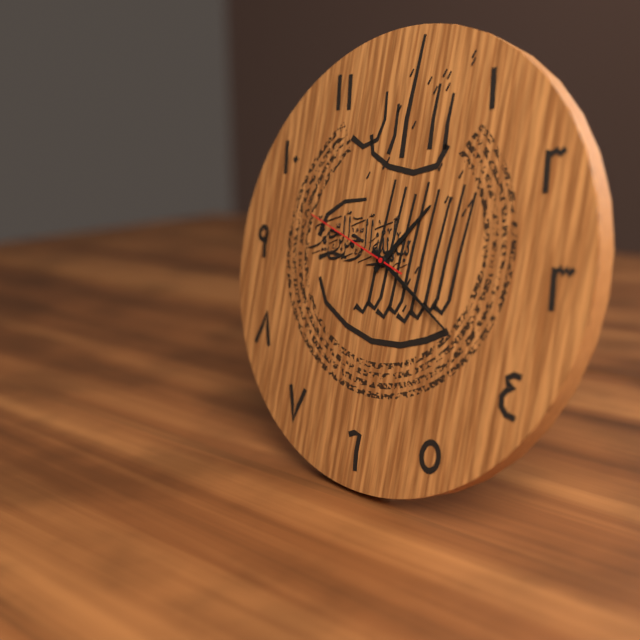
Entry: 1,20,48
